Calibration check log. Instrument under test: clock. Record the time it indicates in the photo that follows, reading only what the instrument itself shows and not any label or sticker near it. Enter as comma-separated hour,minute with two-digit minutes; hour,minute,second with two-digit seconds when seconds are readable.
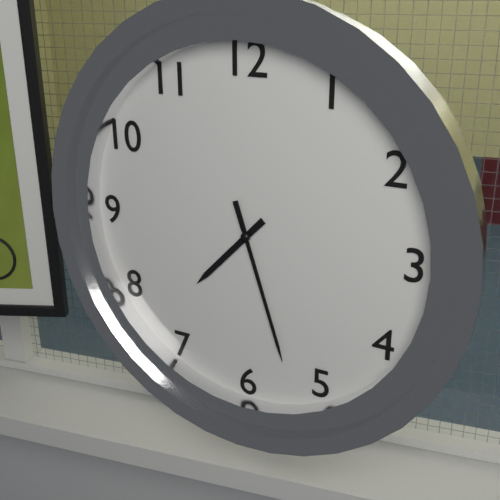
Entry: 7,27
